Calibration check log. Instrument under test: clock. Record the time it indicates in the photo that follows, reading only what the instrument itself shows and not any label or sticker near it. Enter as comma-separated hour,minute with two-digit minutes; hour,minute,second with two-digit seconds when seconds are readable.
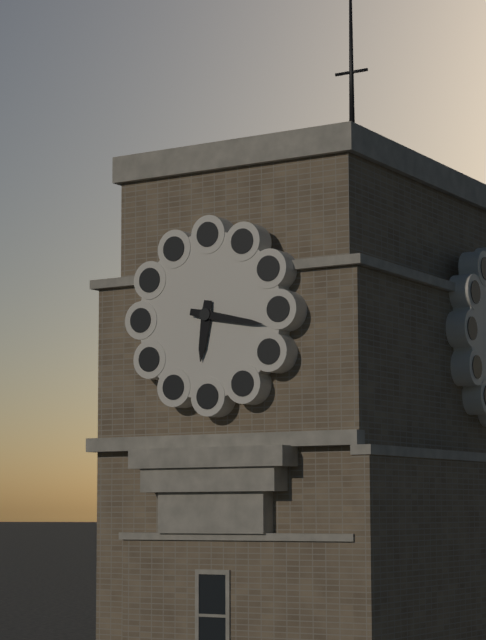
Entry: 6,17
